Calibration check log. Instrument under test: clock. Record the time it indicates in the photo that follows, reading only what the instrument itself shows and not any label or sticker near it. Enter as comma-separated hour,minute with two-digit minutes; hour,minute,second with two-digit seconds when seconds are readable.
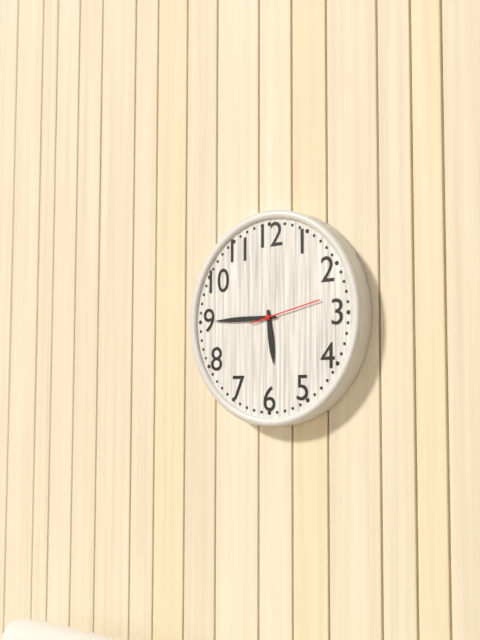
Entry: 5,45,13
